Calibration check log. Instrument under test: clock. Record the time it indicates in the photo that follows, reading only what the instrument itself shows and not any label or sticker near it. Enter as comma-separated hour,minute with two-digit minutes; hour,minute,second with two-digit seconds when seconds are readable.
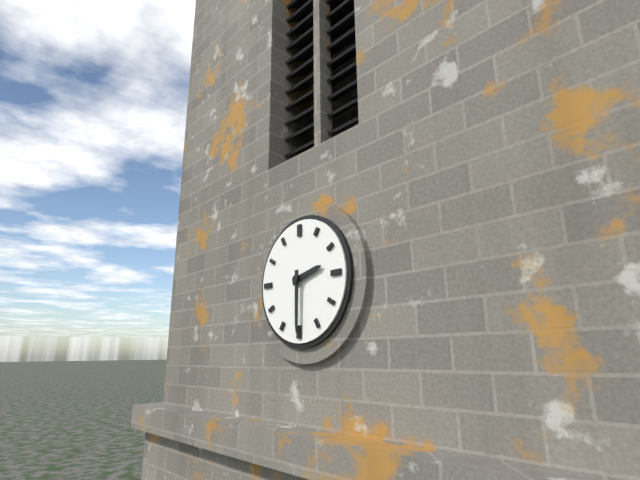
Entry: 2,30
